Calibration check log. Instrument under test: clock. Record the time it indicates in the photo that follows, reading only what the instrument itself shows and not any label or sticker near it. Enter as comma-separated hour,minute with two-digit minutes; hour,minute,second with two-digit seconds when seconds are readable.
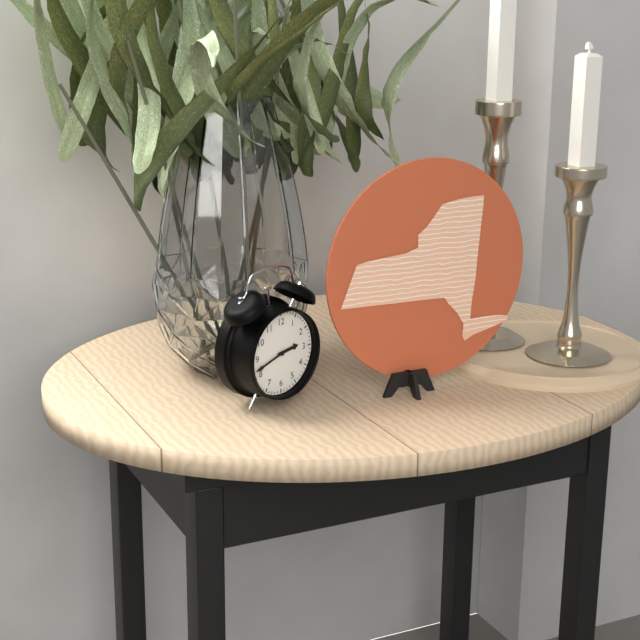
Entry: 2,42
